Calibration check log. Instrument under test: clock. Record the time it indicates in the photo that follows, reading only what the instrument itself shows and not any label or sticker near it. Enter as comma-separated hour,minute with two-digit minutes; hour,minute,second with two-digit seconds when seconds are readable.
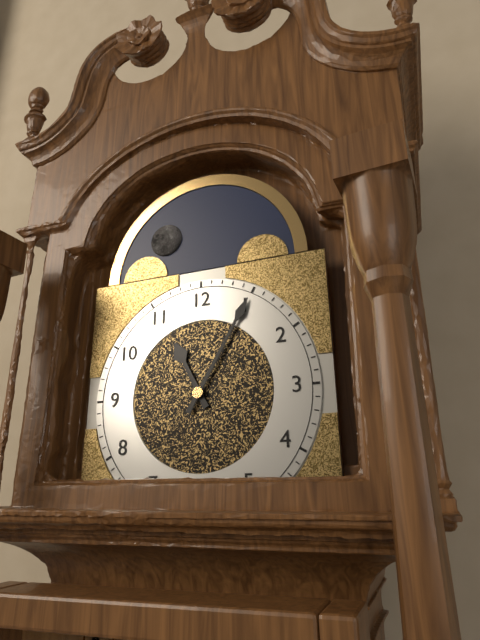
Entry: 11,05
